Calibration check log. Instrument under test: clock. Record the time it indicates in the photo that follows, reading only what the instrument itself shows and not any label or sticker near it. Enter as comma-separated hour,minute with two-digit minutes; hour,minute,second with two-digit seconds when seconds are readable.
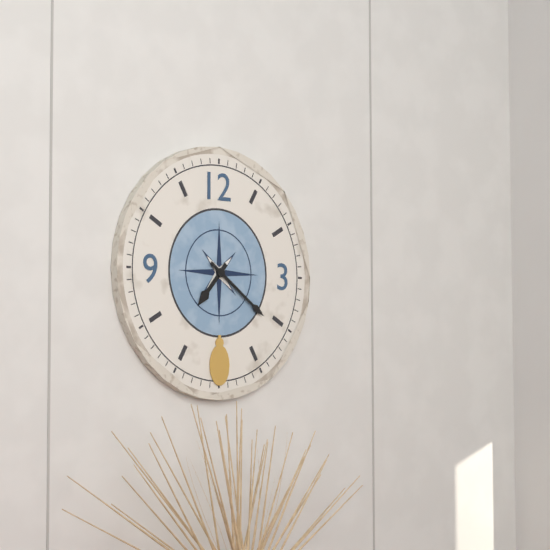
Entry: 7,21
